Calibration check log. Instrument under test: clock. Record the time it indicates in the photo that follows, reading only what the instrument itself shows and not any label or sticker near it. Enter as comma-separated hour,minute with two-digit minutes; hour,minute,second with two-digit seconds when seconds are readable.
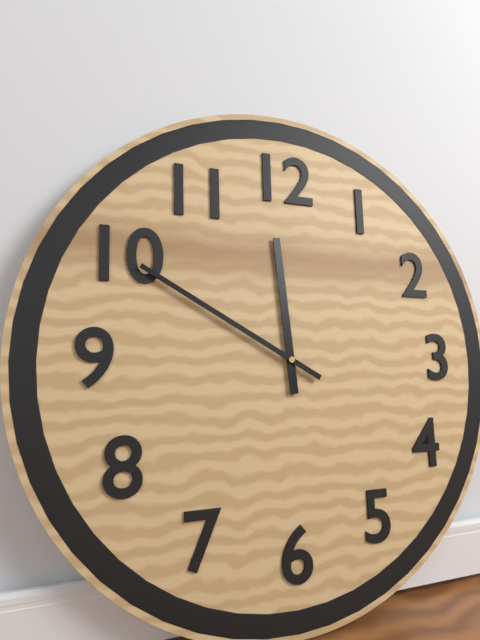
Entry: 11,50
